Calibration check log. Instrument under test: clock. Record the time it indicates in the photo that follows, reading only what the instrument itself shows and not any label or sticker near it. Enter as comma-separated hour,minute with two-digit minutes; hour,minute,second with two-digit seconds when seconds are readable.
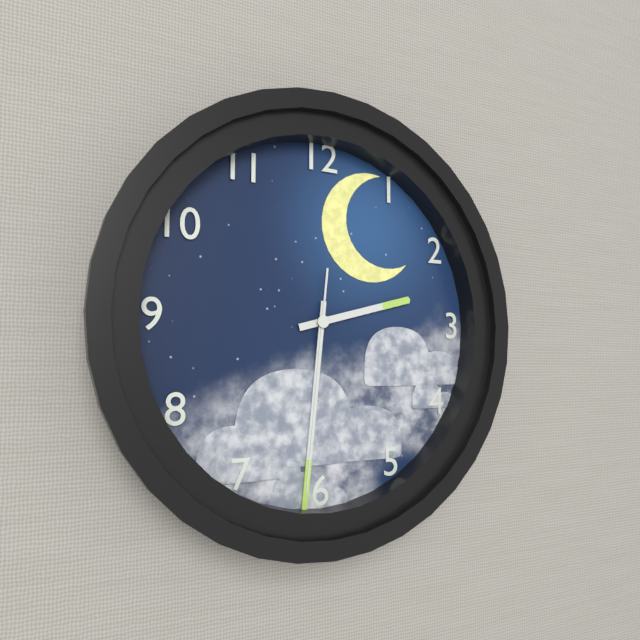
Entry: 2,31,31
